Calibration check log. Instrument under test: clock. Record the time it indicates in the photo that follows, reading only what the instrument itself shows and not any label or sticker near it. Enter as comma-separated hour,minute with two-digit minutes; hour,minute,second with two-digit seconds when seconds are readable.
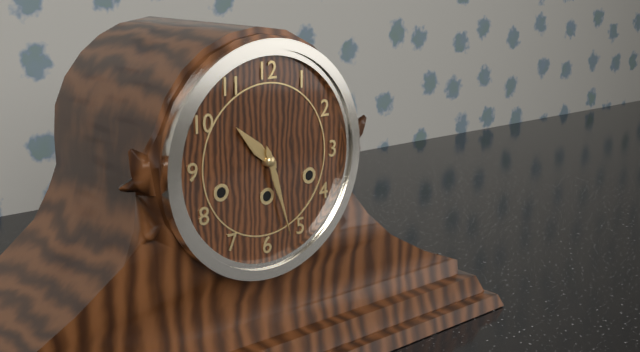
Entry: 10,27
